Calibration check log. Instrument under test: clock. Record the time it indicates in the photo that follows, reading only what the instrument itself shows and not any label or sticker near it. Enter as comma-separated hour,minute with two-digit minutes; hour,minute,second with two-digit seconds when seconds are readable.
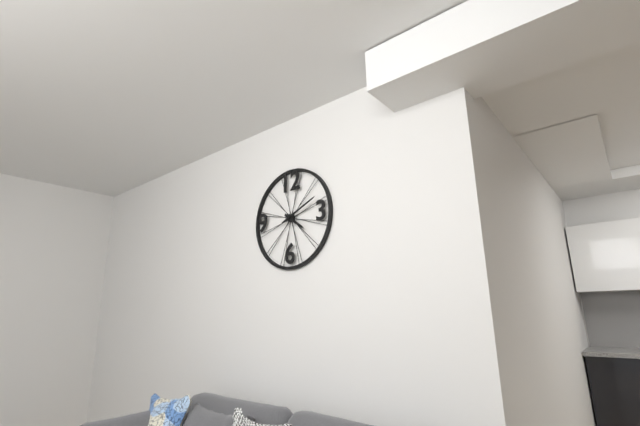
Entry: 4,11
